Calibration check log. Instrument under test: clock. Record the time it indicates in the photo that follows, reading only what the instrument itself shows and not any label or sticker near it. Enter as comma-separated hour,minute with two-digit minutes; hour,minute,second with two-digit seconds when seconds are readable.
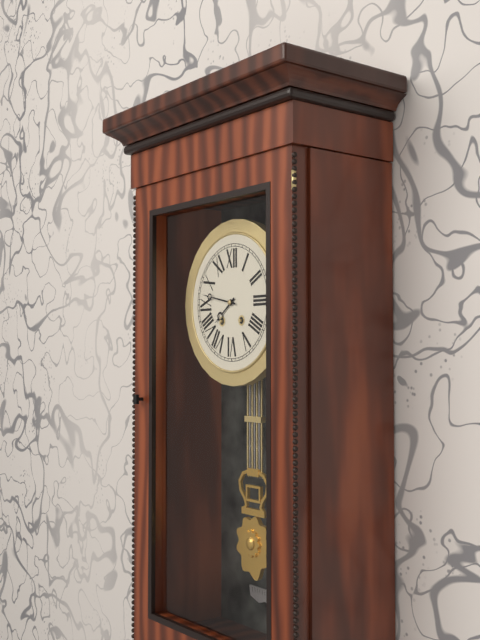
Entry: 7,47
